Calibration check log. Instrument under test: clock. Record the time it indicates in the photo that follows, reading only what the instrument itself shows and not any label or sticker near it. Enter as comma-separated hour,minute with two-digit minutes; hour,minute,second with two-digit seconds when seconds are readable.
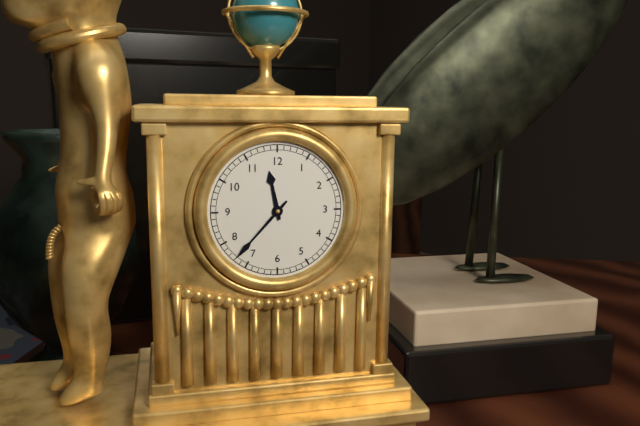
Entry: 11,37
